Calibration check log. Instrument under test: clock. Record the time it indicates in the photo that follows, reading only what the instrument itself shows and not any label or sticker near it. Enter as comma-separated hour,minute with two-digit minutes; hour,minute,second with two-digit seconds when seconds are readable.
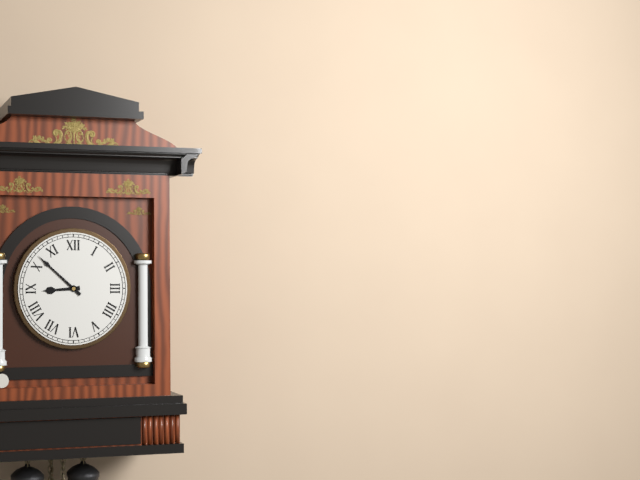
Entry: 8,52
